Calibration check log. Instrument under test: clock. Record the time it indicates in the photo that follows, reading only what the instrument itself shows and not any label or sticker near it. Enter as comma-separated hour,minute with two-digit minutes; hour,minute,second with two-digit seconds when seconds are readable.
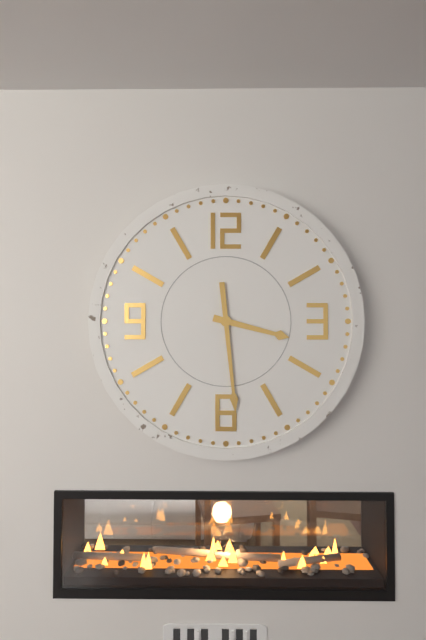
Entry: 3,29
